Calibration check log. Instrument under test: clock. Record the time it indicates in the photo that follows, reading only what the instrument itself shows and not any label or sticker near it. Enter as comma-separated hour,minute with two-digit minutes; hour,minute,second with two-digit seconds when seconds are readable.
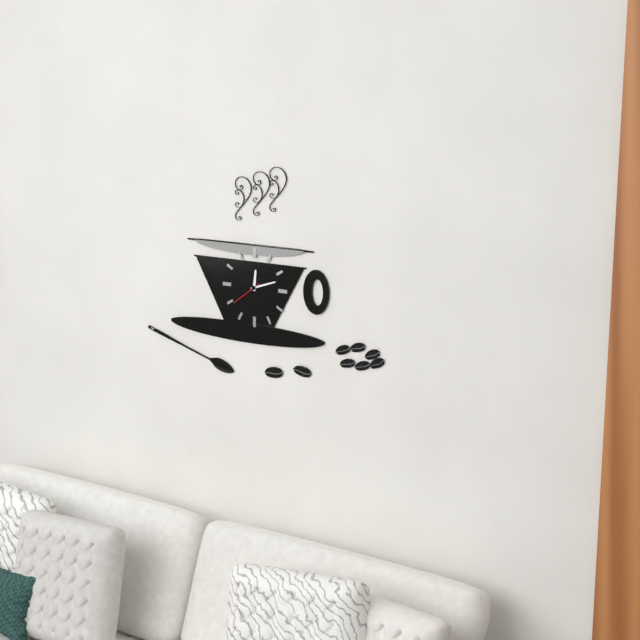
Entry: 12,12
